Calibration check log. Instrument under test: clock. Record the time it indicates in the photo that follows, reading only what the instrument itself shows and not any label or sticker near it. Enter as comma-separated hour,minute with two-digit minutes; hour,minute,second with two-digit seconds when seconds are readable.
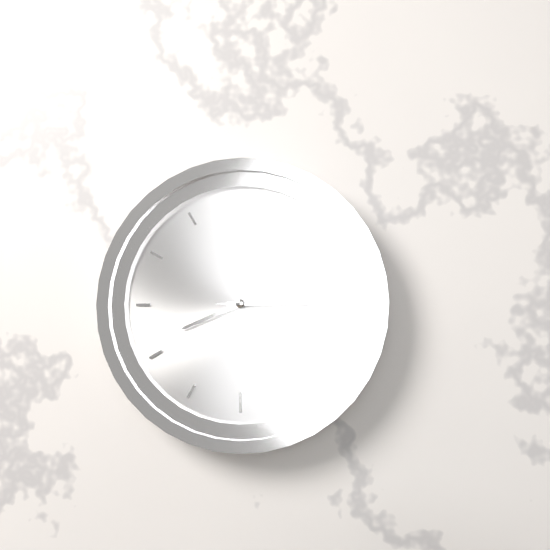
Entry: 8,15,15
